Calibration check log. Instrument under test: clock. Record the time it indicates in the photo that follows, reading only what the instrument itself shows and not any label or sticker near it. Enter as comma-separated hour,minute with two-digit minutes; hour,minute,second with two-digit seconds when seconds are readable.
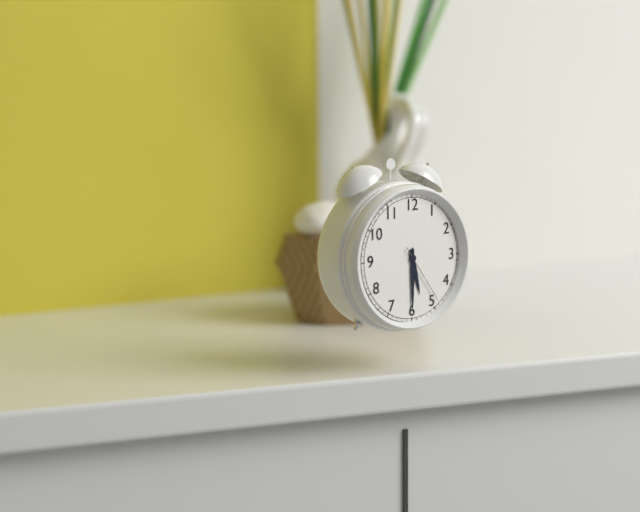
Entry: 5,30,24
